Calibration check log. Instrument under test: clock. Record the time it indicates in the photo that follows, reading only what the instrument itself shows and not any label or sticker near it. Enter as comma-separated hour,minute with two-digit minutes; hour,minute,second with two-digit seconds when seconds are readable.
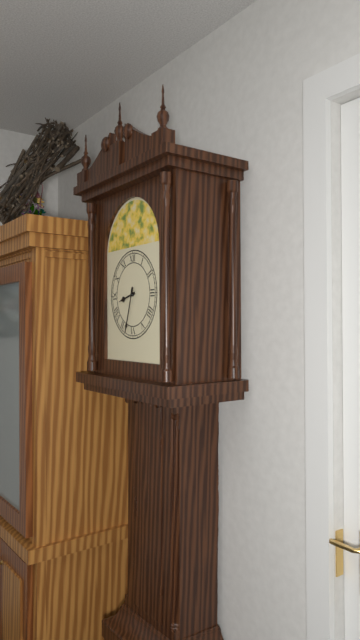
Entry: 8,33
